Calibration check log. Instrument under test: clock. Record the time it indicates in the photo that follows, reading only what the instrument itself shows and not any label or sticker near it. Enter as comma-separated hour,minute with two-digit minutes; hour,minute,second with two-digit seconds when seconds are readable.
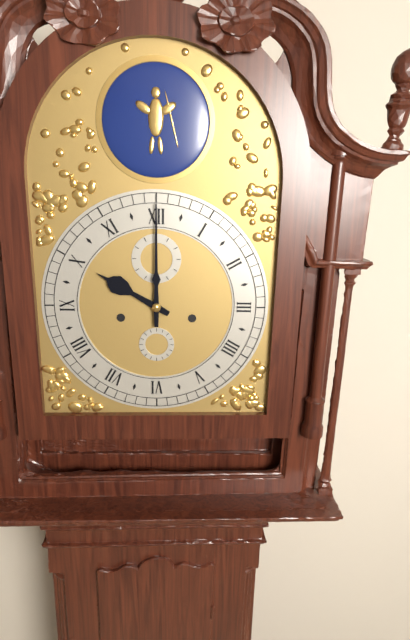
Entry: 10,00
